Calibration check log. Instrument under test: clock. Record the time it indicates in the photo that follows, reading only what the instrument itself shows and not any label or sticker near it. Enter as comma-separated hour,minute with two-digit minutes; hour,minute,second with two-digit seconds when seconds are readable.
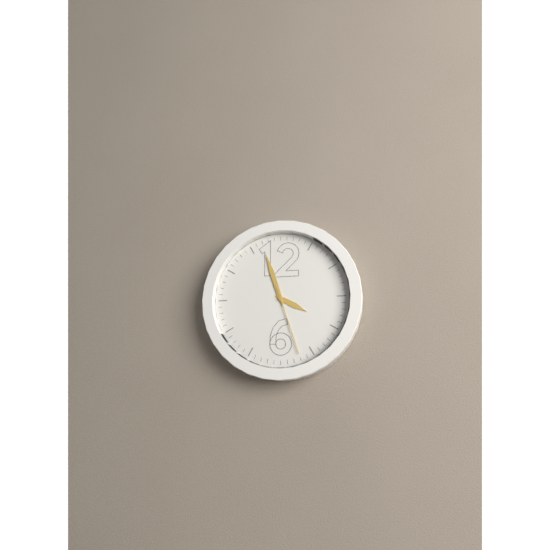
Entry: 3,57,27
